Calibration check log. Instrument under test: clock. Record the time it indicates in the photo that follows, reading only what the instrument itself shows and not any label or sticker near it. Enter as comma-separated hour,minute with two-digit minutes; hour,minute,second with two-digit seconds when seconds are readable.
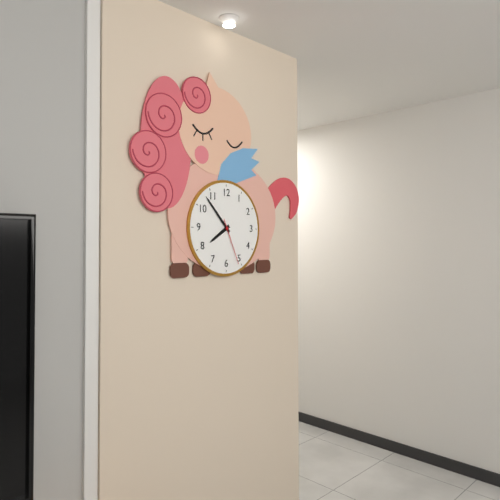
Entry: 7,53
